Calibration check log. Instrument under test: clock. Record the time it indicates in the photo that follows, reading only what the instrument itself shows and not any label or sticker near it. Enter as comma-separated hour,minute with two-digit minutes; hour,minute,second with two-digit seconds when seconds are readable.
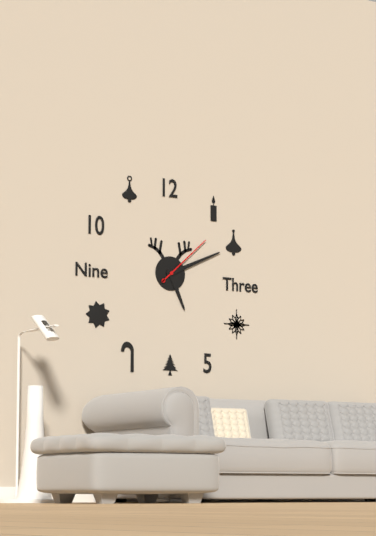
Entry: 5,11,08
